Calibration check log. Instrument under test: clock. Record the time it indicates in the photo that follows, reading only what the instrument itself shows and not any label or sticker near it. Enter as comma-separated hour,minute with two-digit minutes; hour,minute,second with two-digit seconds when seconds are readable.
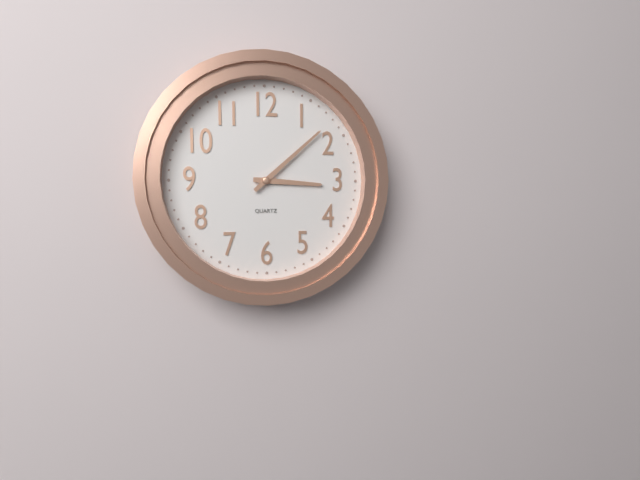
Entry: 3,08
